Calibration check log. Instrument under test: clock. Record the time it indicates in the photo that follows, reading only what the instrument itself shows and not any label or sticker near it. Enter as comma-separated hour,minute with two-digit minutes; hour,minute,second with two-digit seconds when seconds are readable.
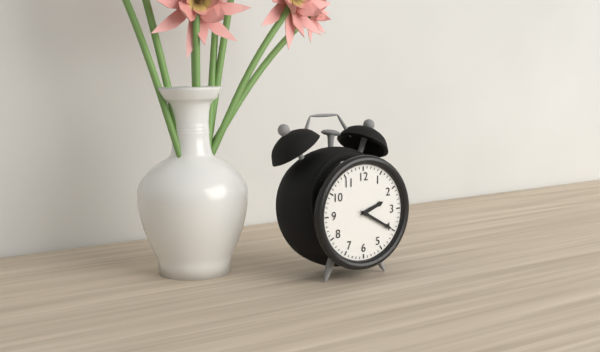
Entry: 2,20
